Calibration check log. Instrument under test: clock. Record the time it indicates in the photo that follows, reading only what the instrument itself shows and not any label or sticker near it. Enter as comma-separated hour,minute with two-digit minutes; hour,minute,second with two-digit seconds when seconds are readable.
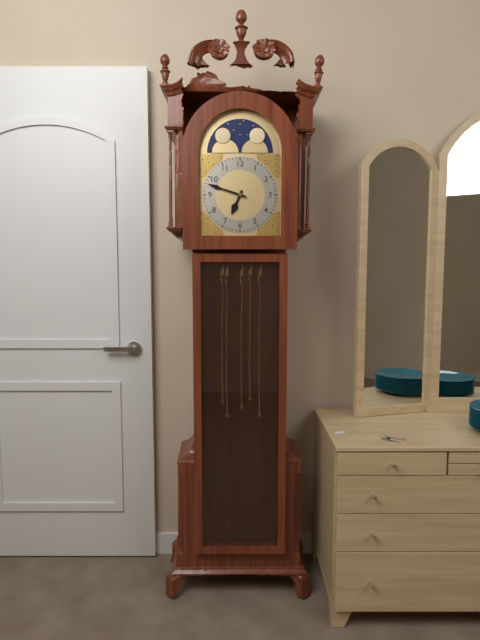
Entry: 6,48
